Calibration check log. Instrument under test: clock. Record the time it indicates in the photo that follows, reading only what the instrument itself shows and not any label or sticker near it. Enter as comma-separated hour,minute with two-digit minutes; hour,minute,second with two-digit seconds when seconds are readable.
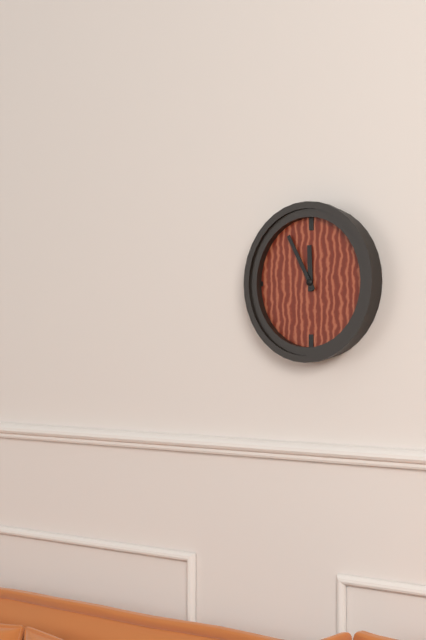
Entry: 11,55
